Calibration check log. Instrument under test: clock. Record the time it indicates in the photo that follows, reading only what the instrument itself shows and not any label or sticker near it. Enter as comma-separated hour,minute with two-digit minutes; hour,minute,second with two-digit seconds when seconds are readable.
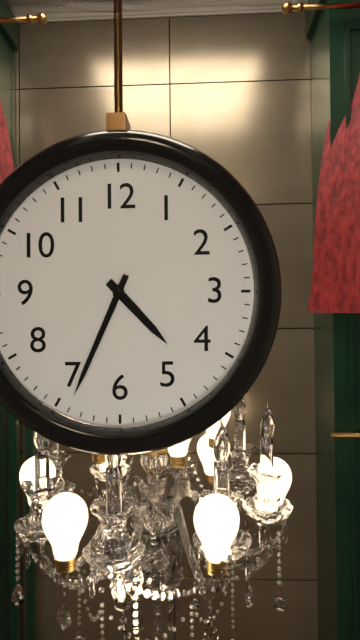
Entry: 4,34
